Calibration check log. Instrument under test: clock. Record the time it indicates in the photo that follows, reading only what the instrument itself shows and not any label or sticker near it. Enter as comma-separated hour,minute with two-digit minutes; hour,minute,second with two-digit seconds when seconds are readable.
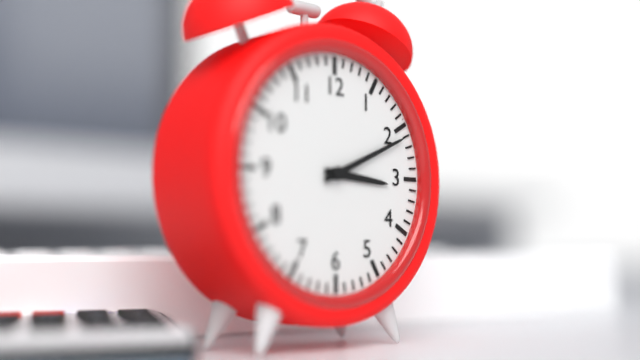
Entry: 3,11
